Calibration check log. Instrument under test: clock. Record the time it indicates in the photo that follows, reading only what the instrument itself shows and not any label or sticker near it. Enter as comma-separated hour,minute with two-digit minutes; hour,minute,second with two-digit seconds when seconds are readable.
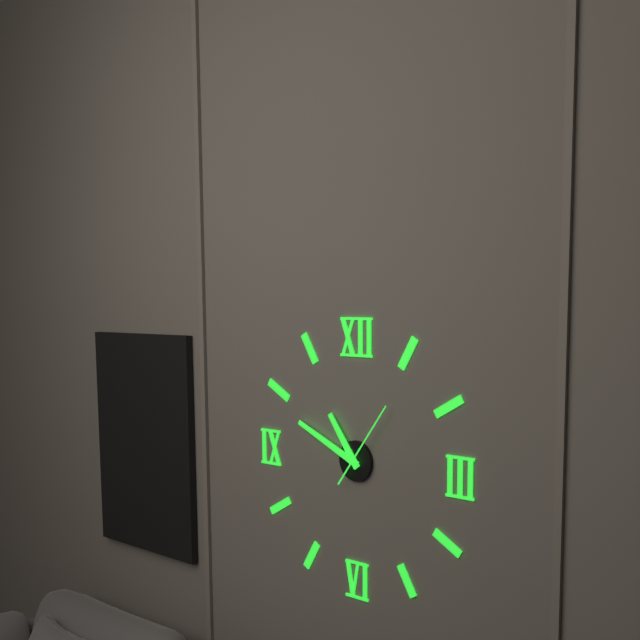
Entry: 10,49,06
